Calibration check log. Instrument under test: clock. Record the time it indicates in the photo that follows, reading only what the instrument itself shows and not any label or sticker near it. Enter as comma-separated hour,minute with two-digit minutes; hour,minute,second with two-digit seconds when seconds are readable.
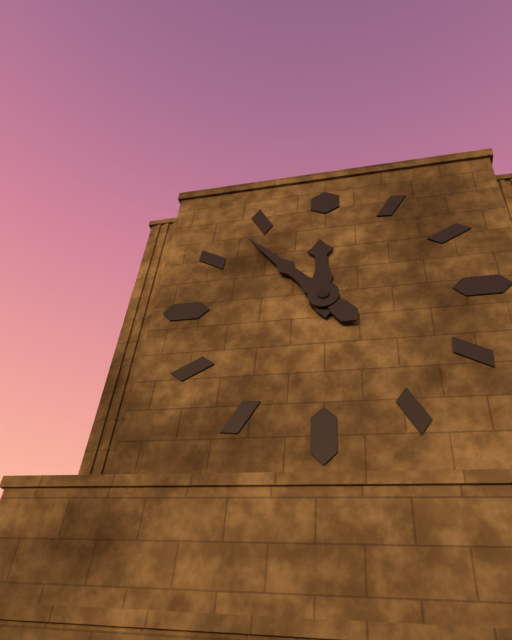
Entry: 11,53
